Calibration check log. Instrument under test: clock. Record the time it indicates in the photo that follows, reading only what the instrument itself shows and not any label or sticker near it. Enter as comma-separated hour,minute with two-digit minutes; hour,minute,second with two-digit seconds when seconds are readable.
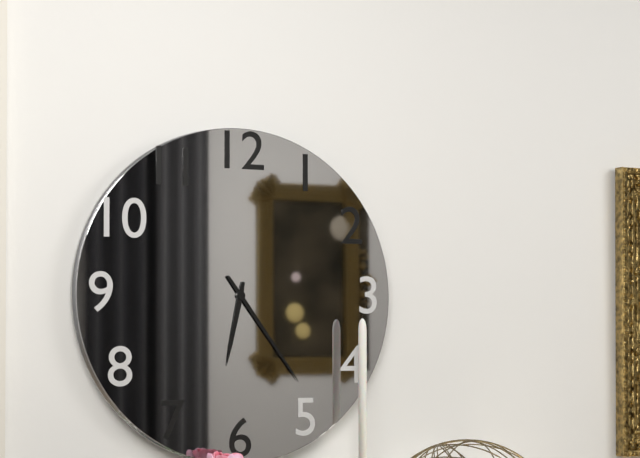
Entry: 6,24
